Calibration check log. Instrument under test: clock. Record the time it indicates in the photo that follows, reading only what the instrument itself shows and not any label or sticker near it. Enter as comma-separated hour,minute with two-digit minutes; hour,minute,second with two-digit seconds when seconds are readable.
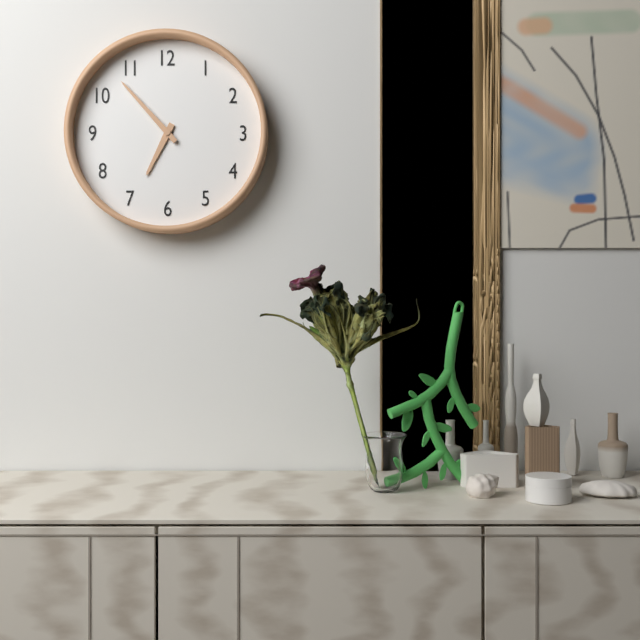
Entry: 6,53
